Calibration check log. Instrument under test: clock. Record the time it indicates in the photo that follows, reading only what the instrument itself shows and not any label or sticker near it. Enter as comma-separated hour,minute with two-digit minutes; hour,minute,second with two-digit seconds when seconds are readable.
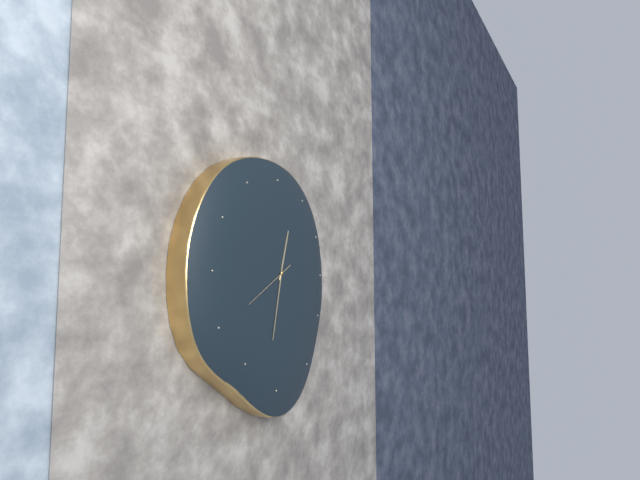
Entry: 12,32,40
